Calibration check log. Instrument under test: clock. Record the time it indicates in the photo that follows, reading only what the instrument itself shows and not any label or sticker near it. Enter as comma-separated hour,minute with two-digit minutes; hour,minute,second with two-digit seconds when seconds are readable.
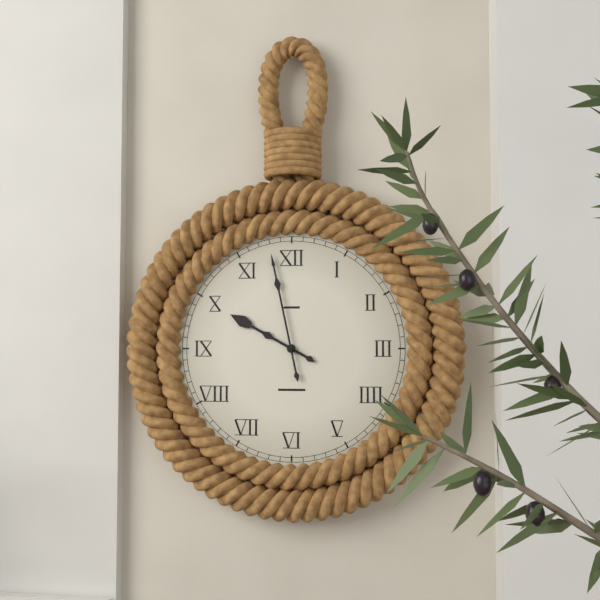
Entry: 9,58
